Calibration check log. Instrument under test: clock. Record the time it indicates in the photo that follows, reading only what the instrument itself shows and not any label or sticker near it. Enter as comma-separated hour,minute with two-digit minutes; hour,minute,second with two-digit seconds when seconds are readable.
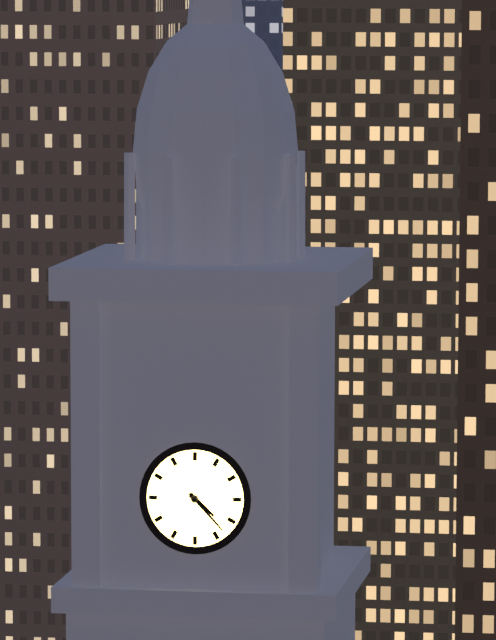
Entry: 4,23
